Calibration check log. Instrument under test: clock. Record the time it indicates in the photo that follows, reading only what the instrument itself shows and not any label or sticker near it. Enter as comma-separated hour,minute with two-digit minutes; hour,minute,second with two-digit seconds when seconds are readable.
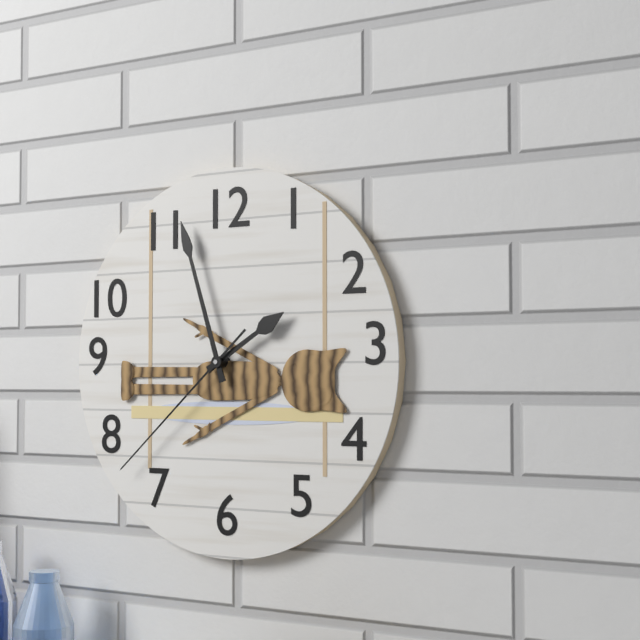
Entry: 1,57,38
